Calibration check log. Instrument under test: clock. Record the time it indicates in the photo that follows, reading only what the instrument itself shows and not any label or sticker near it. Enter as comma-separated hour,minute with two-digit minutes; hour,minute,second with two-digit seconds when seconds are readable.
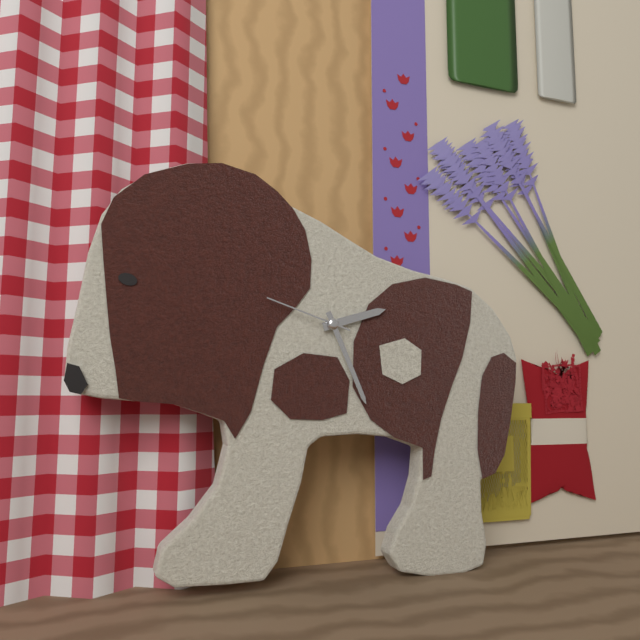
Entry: 2,26,48
